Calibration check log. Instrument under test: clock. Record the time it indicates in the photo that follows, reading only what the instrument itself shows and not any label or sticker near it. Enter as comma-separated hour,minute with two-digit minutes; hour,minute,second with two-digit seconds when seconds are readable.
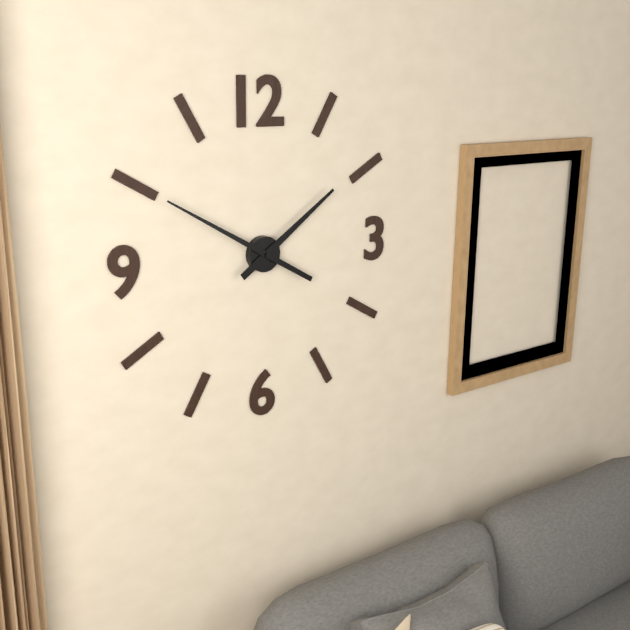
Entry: 1,50
